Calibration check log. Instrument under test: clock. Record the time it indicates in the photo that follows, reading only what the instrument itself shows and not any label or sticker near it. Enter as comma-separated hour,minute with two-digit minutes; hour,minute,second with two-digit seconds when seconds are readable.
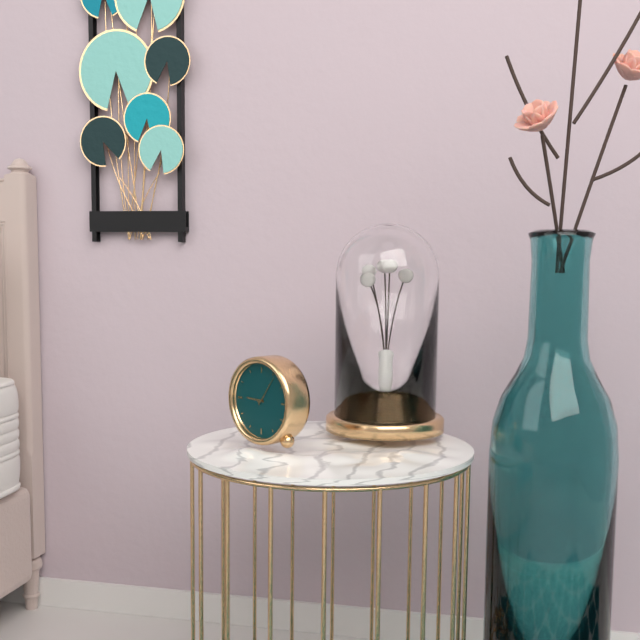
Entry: 9,06
